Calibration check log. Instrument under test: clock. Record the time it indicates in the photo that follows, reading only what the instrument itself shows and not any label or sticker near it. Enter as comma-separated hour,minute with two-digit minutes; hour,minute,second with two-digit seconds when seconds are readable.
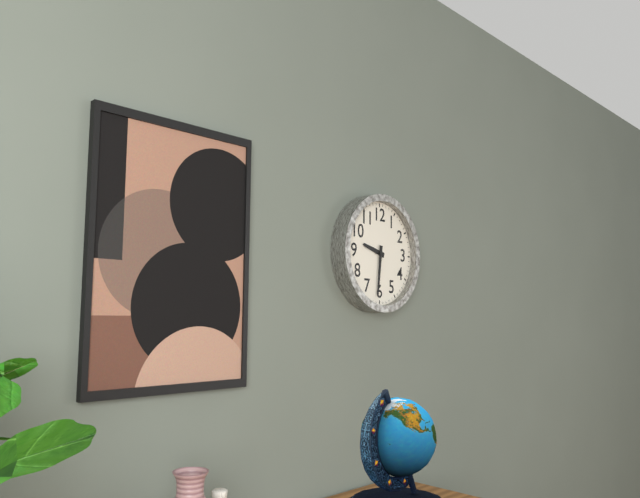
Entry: 9,31
